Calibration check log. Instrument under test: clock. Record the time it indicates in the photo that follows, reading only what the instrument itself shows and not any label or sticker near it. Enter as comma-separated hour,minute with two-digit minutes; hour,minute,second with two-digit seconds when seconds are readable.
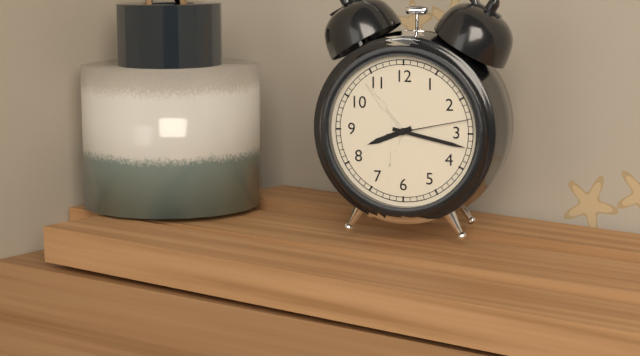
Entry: 8,17,13
